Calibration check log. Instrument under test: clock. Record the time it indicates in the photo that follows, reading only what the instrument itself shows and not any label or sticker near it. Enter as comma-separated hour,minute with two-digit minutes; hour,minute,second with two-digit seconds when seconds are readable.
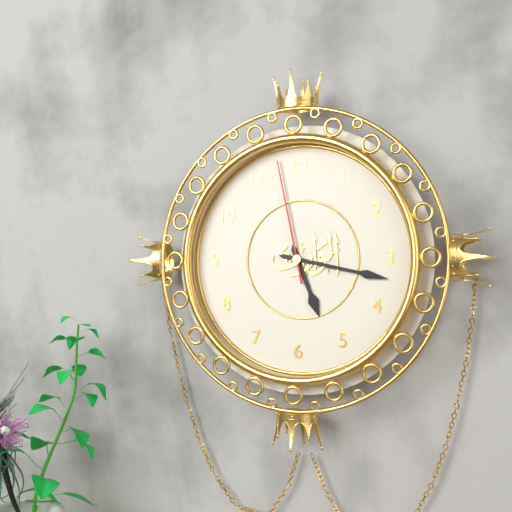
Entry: 5,17,58
